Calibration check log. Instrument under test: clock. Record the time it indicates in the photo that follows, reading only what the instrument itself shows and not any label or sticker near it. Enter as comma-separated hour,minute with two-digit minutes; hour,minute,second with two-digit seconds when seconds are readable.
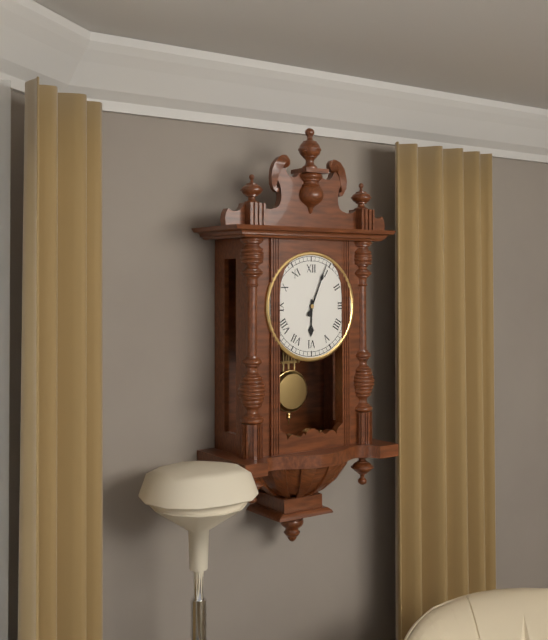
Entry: 6,04
